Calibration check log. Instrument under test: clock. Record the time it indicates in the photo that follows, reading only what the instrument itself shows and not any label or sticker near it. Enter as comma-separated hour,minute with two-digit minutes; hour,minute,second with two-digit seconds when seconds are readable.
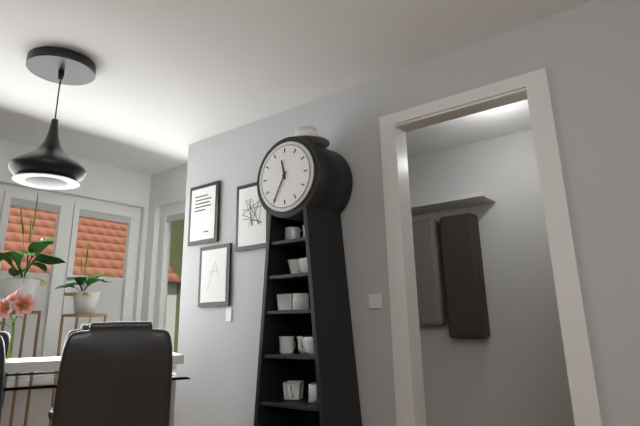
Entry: 11,35
